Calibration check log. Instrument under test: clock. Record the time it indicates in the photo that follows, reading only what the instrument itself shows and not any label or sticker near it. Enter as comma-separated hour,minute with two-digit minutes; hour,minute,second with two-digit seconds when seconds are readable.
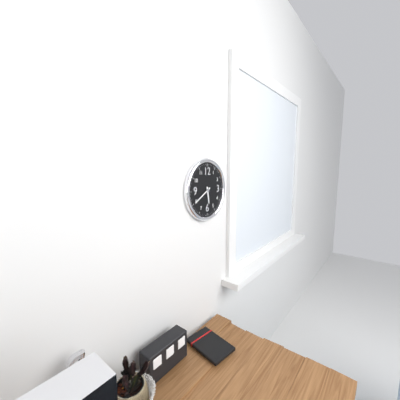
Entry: 5,40
